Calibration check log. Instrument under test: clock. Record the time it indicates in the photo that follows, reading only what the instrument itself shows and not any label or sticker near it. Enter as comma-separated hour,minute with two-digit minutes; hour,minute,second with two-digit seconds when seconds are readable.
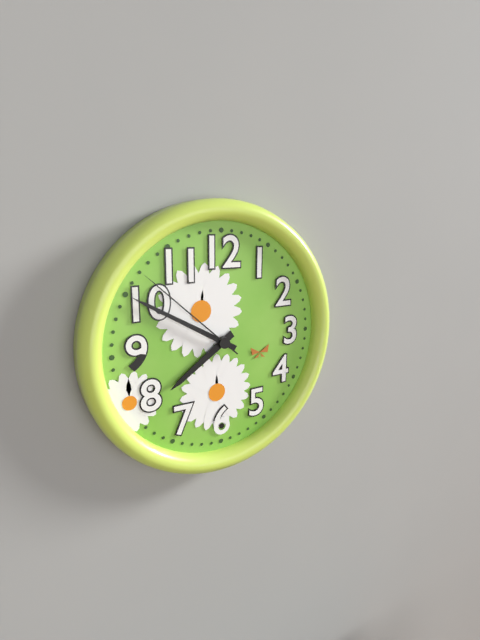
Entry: 7,50,52
